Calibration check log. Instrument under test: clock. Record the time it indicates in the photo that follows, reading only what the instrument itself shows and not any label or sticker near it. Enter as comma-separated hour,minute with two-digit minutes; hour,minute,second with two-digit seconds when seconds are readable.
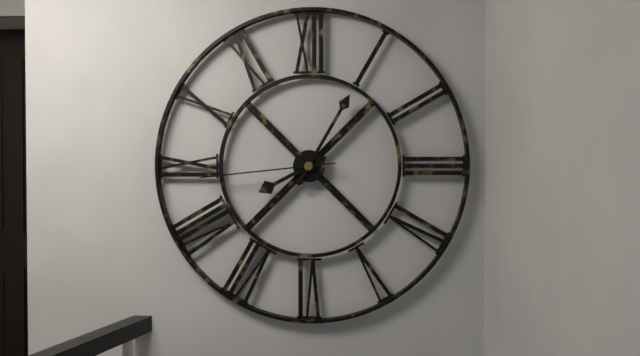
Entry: 8,05,44
